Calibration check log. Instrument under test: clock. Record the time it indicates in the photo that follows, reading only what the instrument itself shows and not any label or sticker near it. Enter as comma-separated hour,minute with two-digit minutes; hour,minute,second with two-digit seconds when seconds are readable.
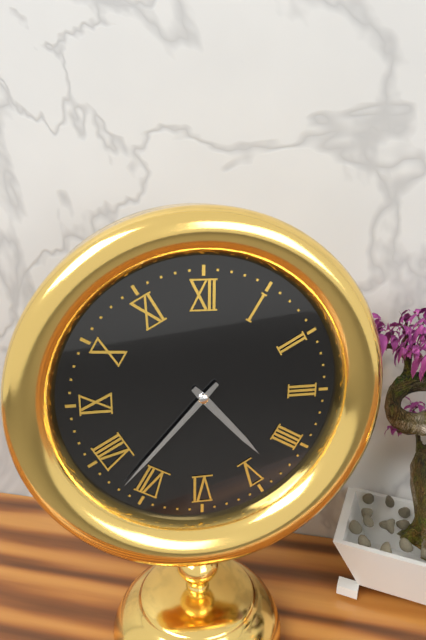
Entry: 4,37
